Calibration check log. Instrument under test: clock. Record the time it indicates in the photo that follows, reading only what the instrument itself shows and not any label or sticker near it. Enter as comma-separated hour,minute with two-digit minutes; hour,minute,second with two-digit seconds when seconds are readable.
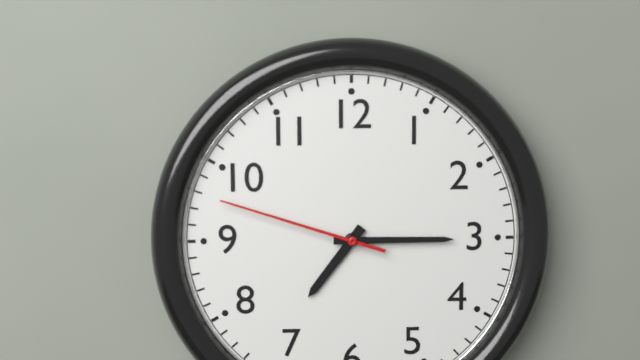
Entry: 7,15,48
